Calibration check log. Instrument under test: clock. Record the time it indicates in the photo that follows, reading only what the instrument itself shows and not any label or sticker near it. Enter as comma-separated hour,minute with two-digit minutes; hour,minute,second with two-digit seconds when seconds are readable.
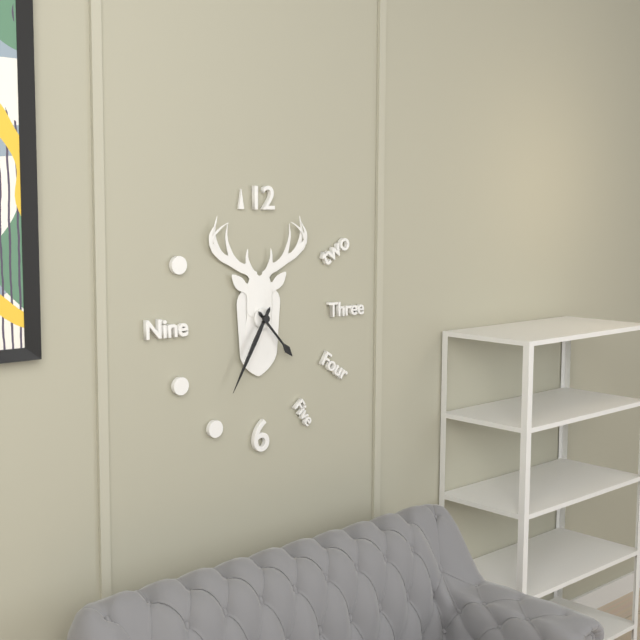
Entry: 4,35
